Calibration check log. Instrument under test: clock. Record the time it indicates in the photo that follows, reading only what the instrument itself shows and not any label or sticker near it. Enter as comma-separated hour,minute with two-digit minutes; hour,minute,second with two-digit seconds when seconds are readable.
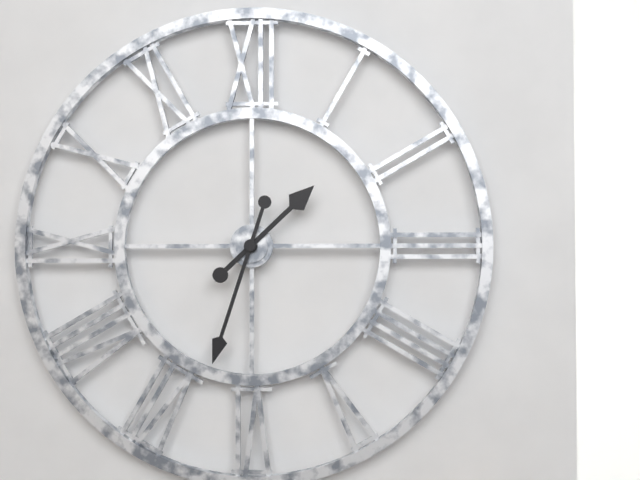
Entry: 1,33
